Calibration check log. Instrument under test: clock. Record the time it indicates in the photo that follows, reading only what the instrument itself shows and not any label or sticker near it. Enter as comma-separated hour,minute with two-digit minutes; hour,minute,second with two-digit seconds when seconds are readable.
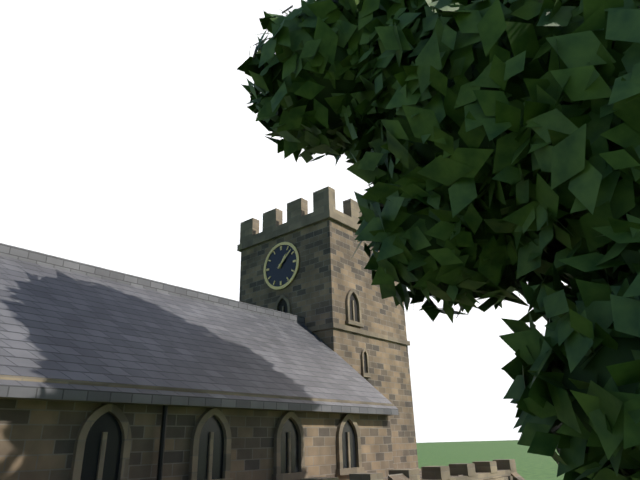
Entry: 1,08
